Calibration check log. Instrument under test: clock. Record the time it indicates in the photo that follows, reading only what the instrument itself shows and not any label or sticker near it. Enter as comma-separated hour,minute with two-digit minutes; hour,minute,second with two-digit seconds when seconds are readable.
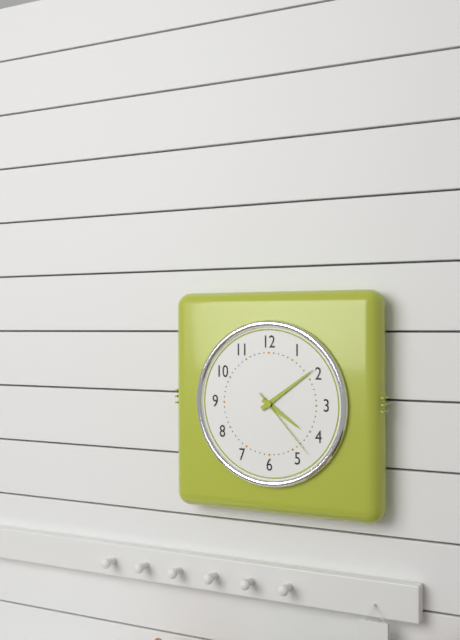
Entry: 4,09,23
